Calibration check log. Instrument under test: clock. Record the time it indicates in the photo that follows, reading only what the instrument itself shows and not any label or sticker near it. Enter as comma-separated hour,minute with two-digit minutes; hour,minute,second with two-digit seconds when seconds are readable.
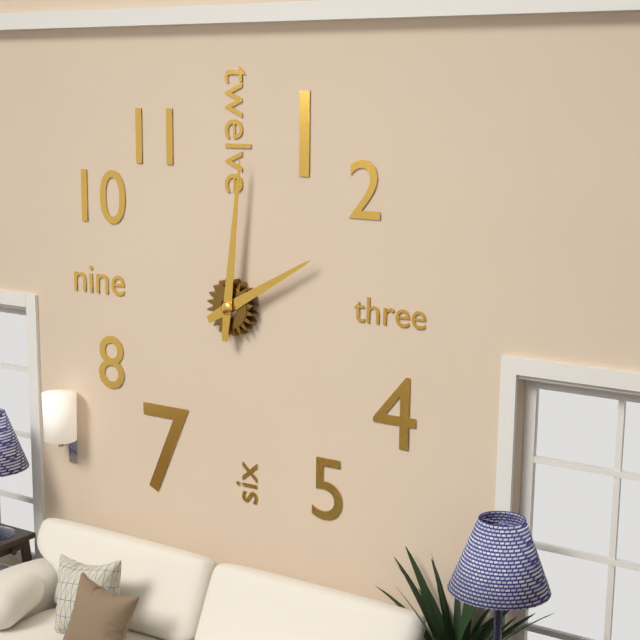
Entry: 2,01
